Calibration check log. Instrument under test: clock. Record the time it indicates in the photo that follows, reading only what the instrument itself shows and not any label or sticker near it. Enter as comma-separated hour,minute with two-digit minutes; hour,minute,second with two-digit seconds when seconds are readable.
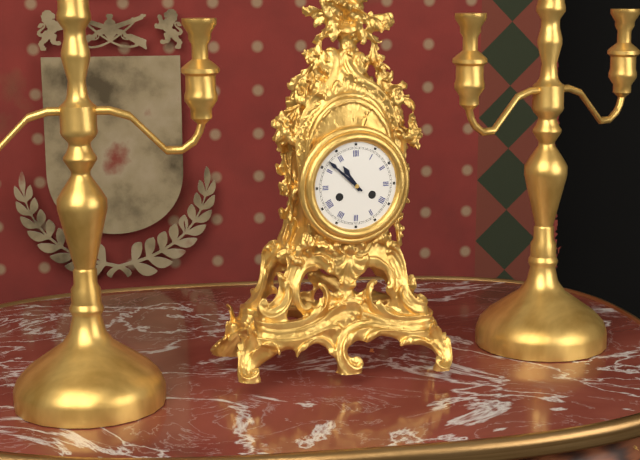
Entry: 10,52
